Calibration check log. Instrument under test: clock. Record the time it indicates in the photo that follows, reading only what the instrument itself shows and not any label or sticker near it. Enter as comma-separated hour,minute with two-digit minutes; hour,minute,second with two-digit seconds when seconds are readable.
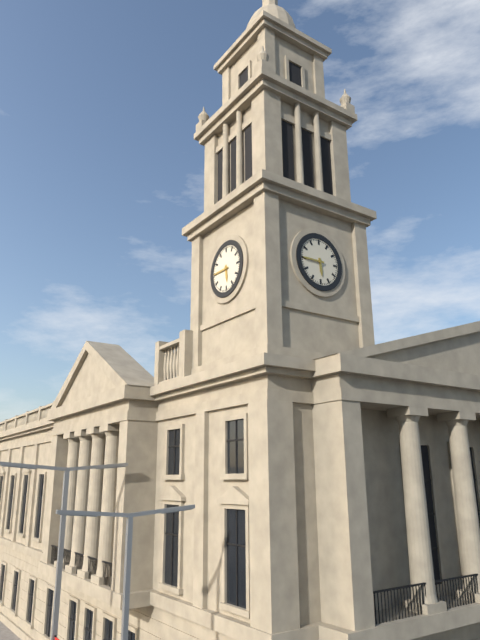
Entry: 5,45
